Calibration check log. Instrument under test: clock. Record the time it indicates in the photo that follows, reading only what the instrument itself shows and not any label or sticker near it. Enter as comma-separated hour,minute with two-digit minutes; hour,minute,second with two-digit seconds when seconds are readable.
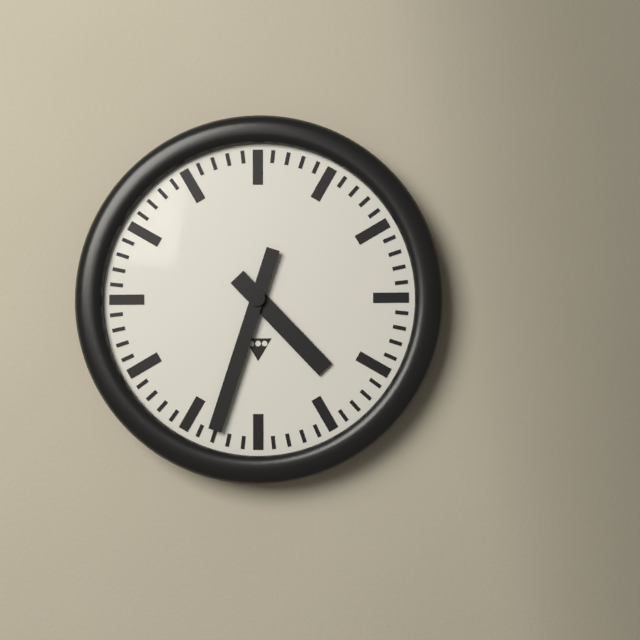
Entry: 4,33
